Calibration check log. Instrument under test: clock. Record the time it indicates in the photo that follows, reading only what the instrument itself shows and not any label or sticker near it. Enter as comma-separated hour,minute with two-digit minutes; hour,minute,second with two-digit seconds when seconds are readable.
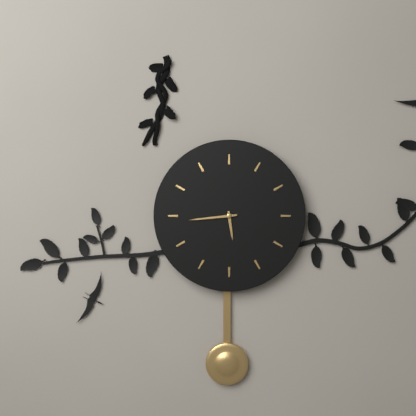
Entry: 5,44
